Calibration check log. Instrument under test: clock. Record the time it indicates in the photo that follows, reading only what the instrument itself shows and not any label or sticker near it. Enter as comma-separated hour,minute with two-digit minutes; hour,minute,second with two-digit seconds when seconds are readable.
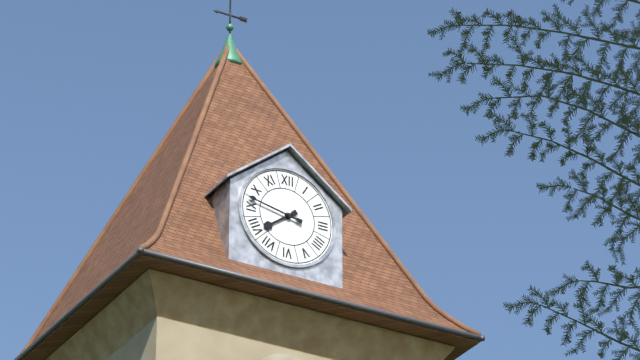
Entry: 7,47
